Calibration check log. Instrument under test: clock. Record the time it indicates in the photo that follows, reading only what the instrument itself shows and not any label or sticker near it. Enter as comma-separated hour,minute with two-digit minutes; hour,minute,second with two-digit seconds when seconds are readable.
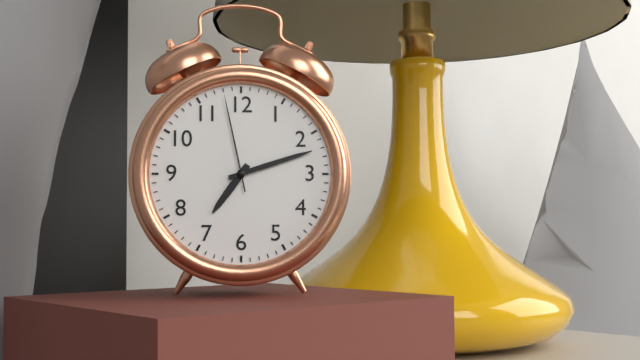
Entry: 7,12,58
